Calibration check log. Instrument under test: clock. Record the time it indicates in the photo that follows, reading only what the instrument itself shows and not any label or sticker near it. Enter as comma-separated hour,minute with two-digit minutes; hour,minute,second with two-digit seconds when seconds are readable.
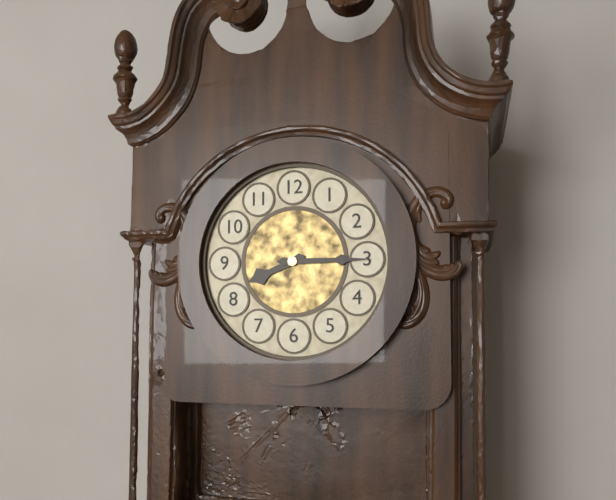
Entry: 8,15
